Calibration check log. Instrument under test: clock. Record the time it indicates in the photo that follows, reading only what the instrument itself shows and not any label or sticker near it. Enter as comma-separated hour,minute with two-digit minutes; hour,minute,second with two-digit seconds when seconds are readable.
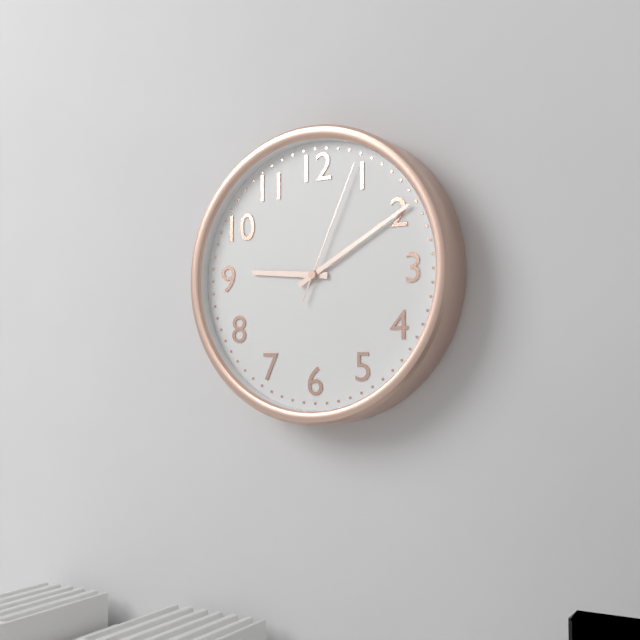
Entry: 9,10,04
